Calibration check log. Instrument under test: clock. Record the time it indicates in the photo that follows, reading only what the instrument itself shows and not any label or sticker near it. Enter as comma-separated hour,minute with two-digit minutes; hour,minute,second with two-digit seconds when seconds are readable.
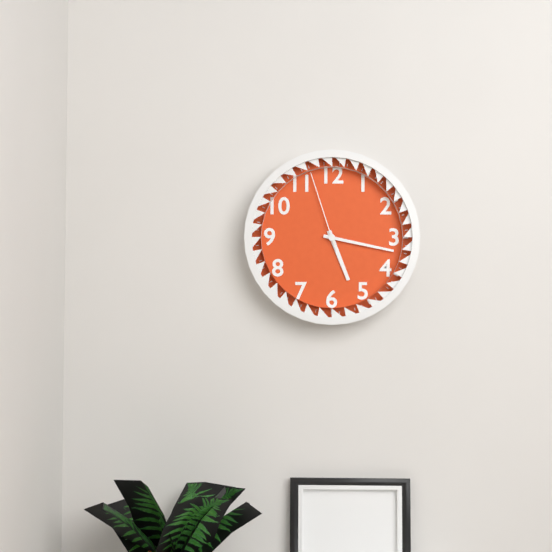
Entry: 5,17,57
